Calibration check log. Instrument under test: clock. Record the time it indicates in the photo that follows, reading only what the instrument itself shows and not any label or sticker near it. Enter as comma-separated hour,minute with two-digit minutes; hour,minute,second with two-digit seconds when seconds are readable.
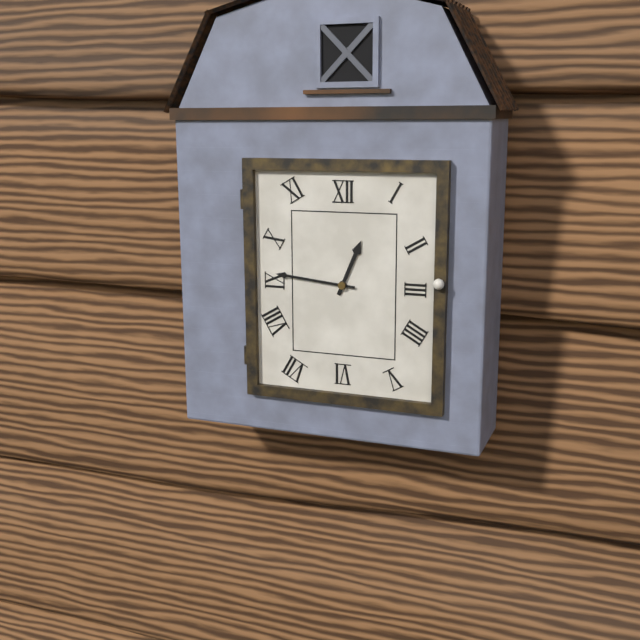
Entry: 12,46
